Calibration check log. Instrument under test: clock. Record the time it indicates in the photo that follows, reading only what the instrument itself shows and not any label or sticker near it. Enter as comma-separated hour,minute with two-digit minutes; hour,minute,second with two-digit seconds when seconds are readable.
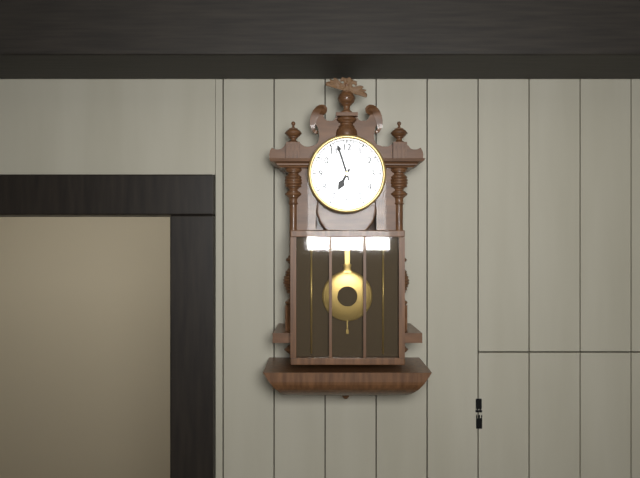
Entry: 6,57
